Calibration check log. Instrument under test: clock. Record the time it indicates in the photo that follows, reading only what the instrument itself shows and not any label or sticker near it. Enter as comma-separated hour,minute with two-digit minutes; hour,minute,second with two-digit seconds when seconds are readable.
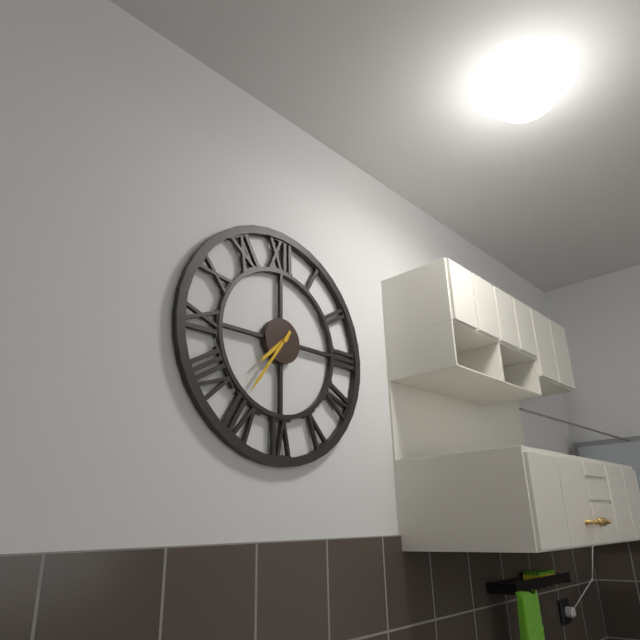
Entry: 7,36
